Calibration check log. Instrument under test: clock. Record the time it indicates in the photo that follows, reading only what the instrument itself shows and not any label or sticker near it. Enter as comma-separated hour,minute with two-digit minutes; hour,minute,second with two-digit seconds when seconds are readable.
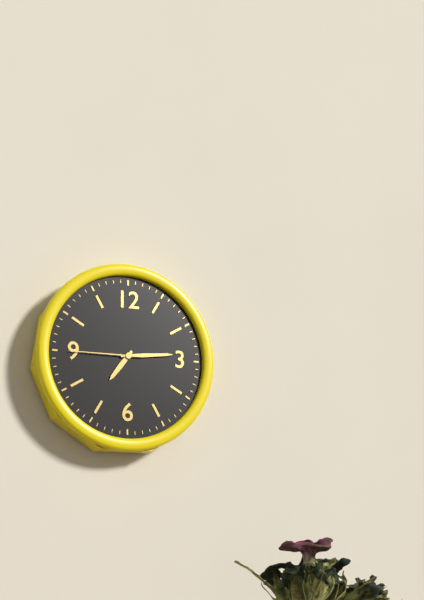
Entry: 7,14,45
